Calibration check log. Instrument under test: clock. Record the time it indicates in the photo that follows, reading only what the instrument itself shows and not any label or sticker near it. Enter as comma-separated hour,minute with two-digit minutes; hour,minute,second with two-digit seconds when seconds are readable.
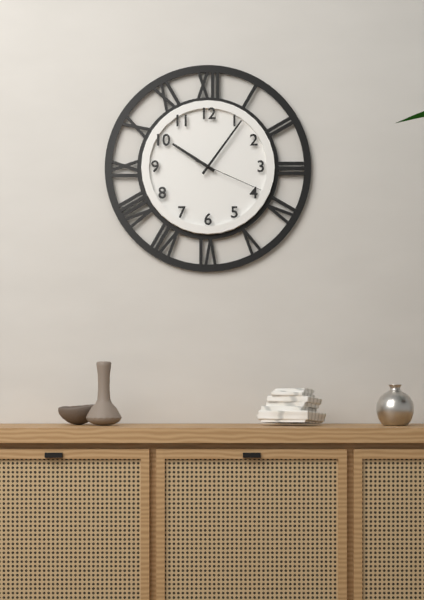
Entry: 10,06,19
